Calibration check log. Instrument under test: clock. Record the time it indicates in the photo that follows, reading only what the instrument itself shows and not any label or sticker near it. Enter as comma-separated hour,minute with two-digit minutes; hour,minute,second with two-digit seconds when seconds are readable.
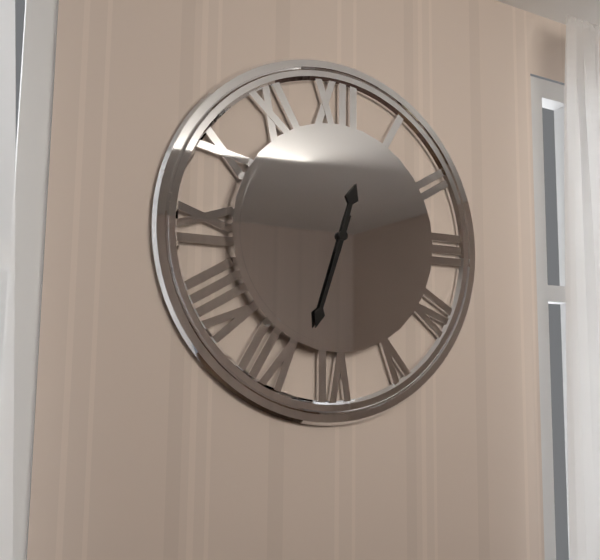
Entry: 12,33
